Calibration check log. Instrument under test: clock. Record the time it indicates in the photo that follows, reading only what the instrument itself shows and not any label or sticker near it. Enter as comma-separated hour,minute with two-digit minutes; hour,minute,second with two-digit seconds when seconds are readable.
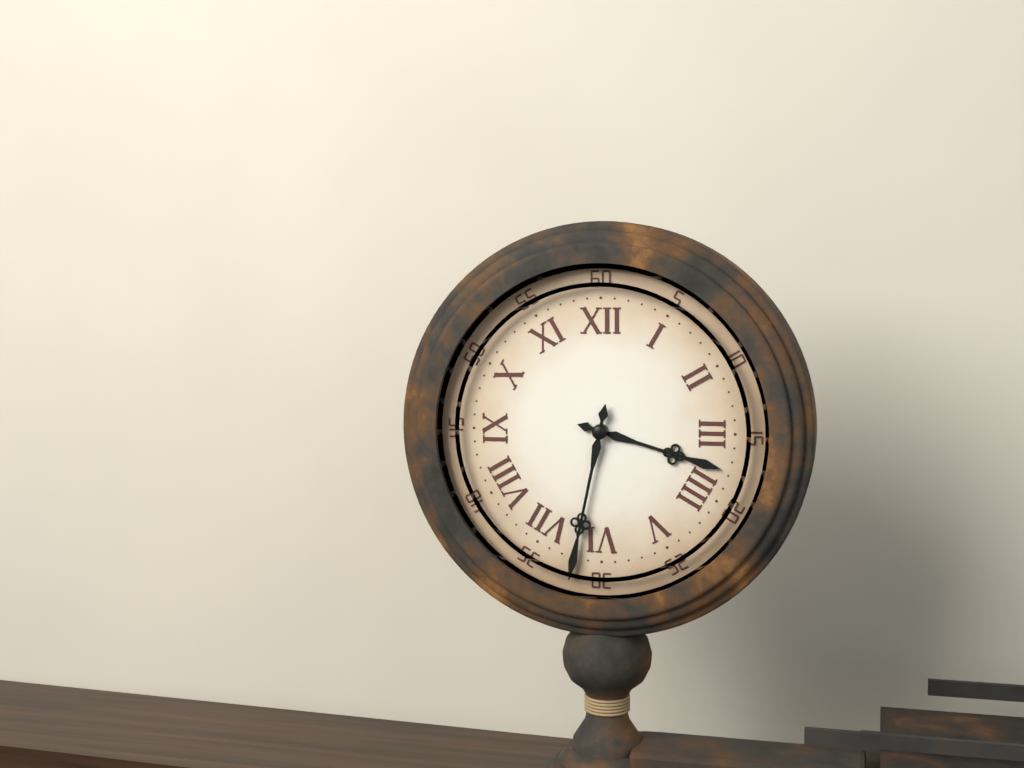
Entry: 3,32
